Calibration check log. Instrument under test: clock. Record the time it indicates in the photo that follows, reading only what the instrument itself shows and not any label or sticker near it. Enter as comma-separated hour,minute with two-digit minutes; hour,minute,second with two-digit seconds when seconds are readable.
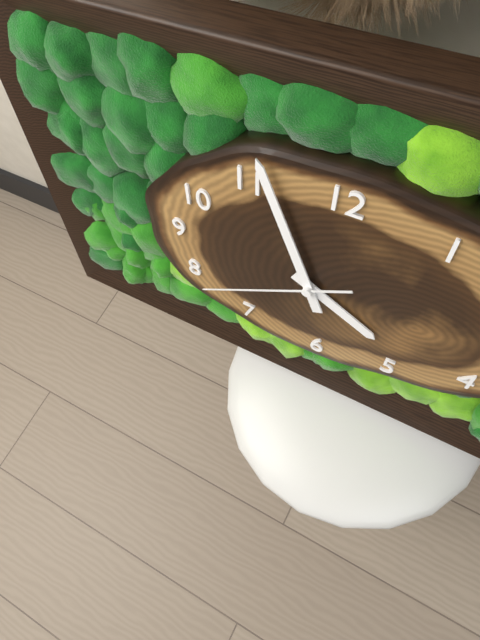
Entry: 3,56,40
